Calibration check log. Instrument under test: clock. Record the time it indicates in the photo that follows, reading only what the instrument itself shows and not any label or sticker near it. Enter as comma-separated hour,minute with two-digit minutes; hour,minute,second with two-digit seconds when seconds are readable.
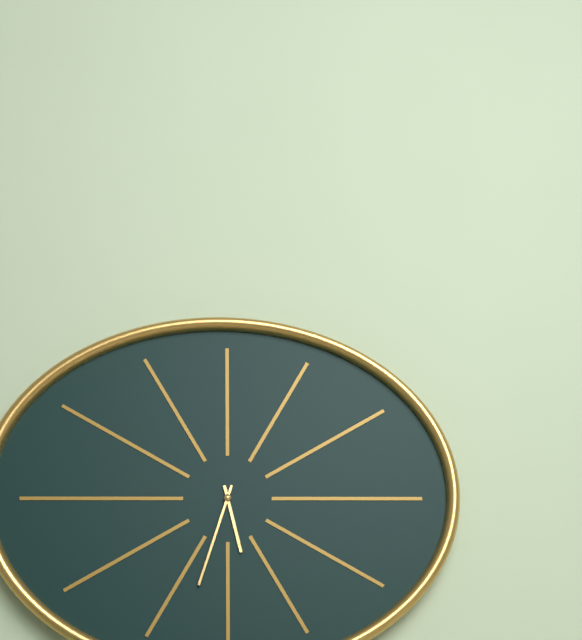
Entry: 5,33
